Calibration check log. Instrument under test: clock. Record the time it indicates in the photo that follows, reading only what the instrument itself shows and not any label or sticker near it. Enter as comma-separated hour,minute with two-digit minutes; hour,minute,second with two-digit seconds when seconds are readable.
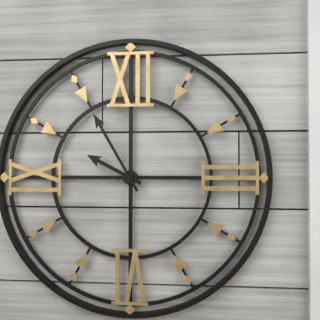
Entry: 9,55
